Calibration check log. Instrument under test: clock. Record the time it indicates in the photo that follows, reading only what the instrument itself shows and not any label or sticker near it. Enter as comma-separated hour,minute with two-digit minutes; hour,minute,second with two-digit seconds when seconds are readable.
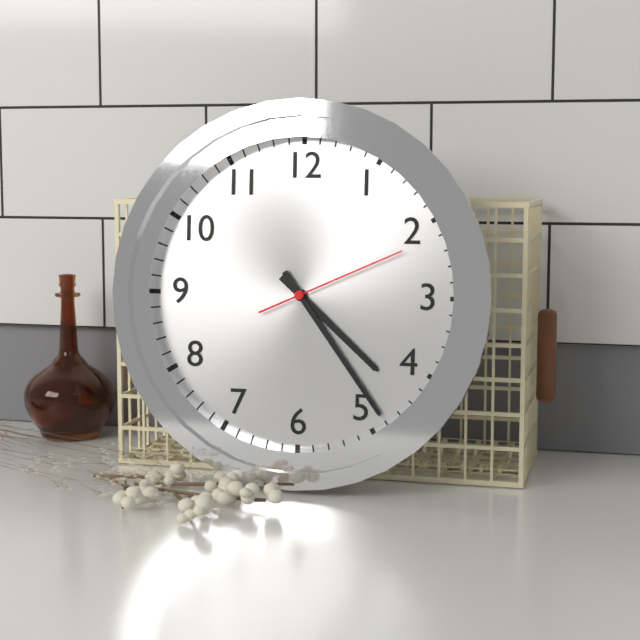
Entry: 4,24,11
